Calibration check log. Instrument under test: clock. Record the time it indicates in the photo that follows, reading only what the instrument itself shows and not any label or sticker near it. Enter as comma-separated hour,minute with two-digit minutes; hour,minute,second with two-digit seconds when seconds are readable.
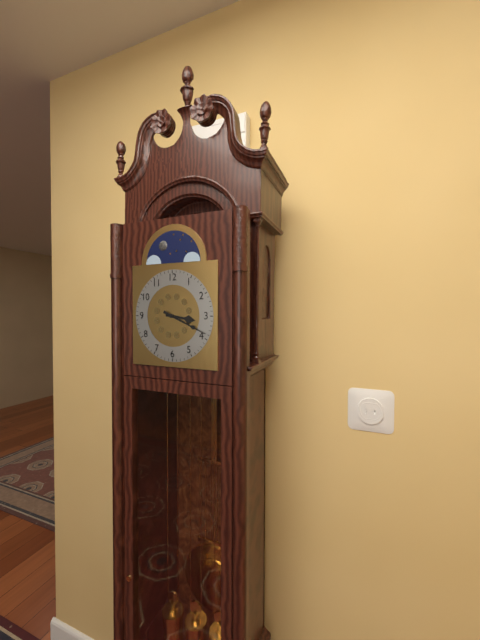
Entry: 3,19
